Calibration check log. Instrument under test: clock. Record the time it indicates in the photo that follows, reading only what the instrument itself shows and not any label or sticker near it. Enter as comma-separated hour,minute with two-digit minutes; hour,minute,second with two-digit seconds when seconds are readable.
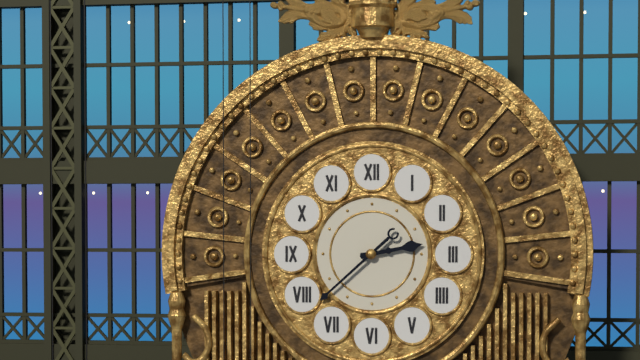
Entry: 2,38
